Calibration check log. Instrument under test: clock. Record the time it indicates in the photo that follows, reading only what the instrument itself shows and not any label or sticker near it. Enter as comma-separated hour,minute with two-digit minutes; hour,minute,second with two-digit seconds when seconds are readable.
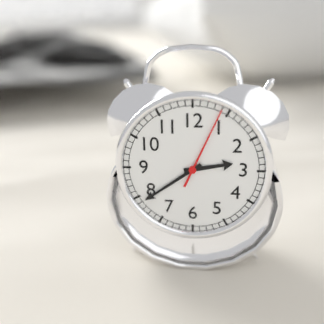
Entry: 2,39,04
